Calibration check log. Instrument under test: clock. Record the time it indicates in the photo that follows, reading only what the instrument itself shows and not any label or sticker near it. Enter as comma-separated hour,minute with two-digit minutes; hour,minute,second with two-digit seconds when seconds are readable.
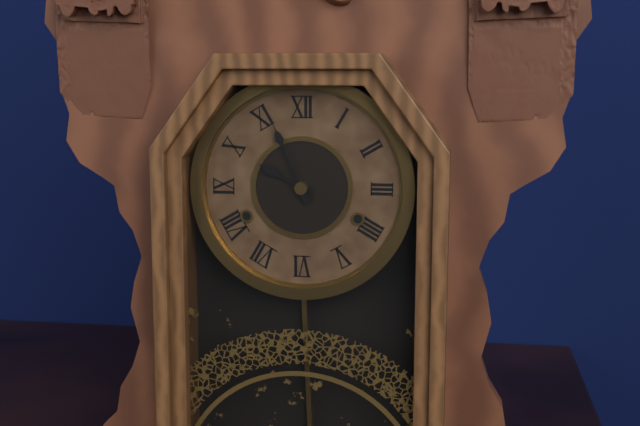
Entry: 9,56
